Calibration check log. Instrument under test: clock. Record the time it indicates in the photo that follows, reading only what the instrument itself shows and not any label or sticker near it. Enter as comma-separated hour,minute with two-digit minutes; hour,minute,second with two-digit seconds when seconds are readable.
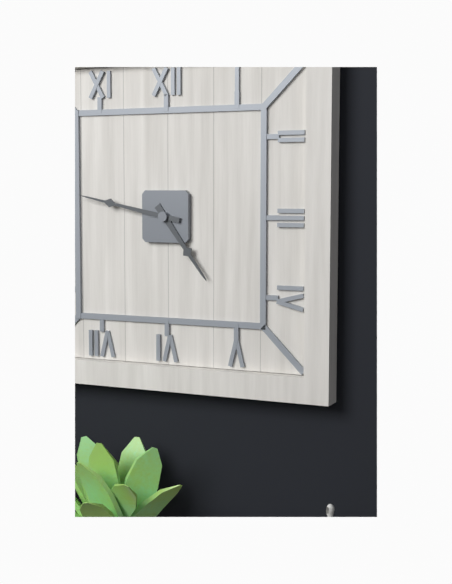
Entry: 4,47
